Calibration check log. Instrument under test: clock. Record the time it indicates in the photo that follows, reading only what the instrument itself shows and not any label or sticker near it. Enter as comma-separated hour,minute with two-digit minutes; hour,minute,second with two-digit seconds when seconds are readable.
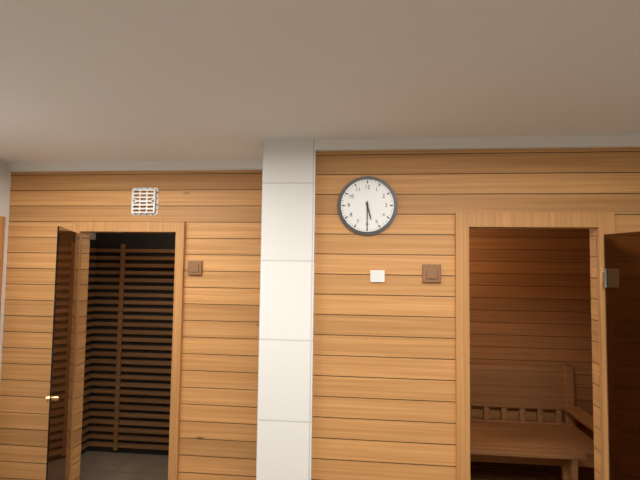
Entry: 5,30
